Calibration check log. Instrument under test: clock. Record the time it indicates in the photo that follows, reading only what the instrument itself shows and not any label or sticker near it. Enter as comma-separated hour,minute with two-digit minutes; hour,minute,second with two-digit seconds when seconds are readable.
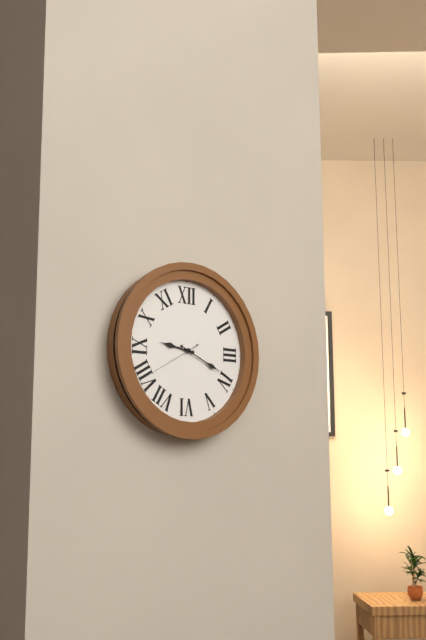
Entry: 9,19,40
